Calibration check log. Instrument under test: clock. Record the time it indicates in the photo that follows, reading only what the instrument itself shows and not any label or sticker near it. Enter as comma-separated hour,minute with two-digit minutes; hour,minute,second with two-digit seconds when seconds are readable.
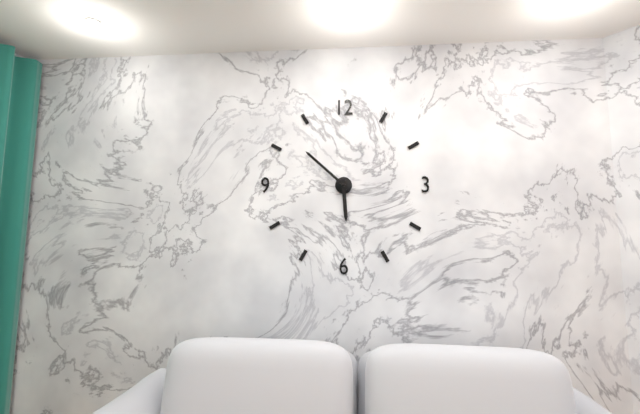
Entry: 5,52
